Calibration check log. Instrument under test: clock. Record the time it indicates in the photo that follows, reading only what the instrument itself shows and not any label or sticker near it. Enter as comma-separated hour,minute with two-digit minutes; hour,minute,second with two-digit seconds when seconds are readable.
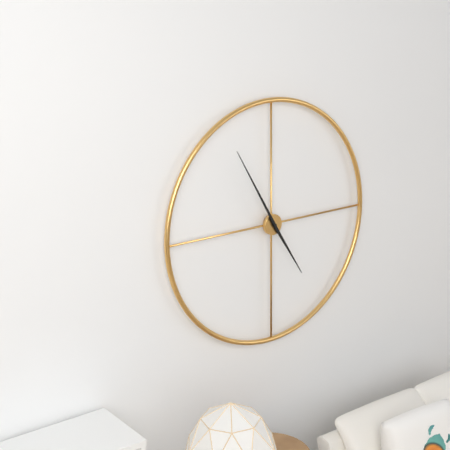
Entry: 4,55
